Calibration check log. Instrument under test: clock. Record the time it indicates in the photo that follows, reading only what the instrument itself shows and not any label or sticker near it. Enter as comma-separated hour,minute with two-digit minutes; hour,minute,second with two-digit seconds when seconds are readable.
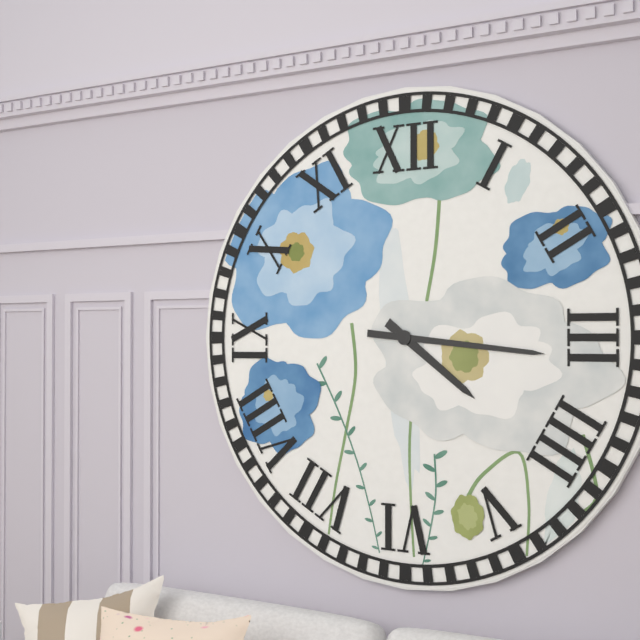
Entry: 4,16
